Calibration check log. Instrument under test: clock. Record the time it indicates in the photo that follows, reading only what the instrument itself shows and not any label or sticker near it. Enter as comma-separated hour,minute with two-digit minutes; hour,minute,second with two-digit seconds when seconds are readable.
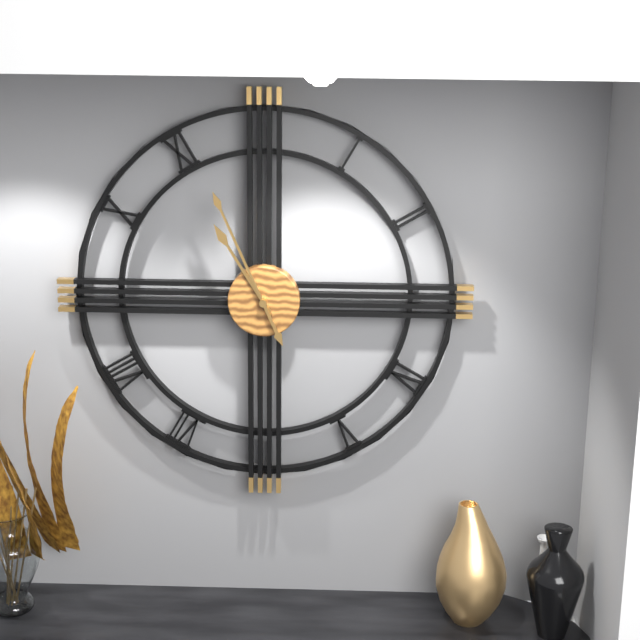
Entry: 10,56
